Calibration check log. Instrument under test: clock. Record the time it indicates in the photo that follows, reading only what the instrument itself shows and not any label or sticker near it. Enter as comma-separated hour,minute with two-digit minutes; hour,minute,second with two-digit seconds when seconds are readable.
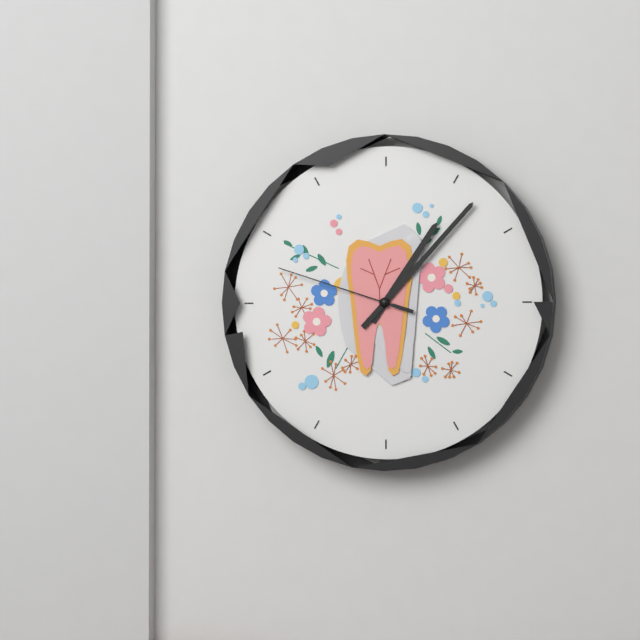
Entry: 1,07,48
